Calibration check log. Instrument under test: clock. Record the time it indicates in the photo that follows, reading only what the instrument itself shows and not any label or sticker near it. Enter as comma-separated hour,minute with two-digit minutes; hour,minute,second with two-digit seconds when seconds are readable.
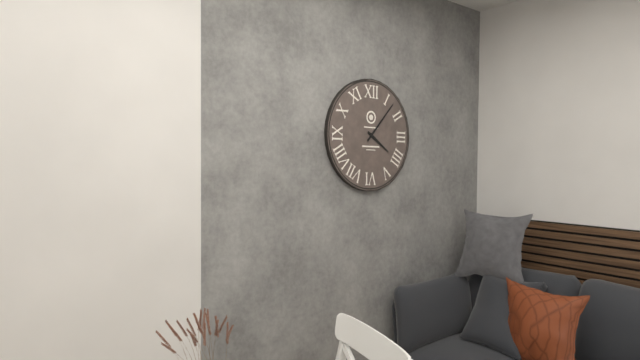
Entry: 4,07
